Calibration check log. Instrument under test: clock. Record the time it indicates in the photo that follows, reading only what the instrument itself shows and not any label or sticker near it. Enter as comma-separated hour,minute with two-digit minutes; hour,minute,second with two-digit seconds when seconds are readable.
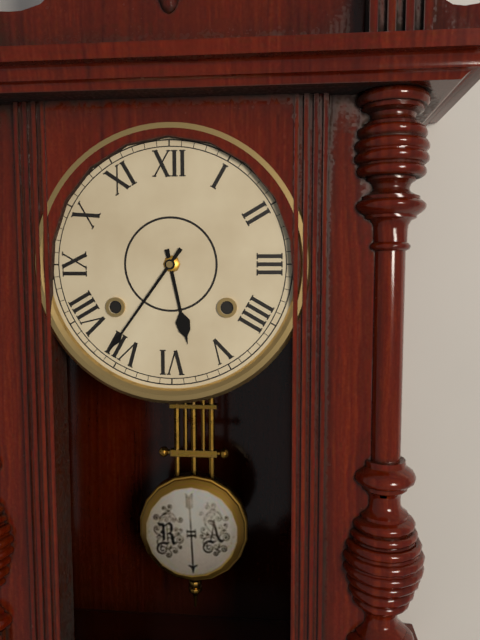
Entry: 5,36
